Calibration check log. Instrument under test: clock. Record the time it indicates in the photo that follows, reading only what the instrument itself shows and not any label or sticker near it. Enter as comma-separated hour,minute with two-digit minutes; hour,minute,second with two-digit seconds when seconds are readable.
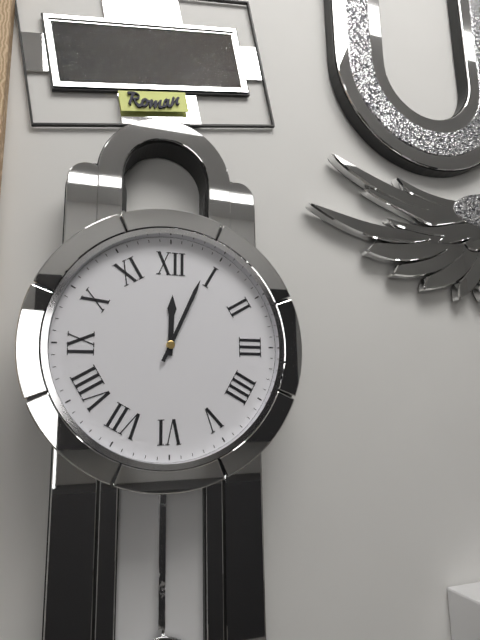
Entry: 12,04
